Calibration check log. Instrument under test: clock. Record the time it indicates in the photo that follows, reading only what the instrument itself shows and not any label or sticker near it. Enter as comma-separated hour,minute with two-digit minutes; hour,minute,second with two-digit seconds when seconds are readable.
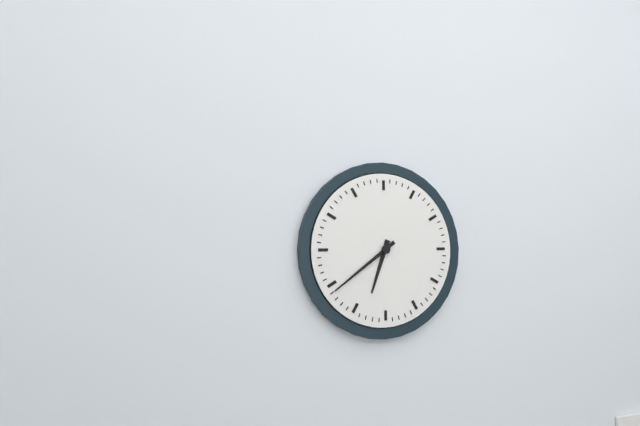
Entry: 6,39
